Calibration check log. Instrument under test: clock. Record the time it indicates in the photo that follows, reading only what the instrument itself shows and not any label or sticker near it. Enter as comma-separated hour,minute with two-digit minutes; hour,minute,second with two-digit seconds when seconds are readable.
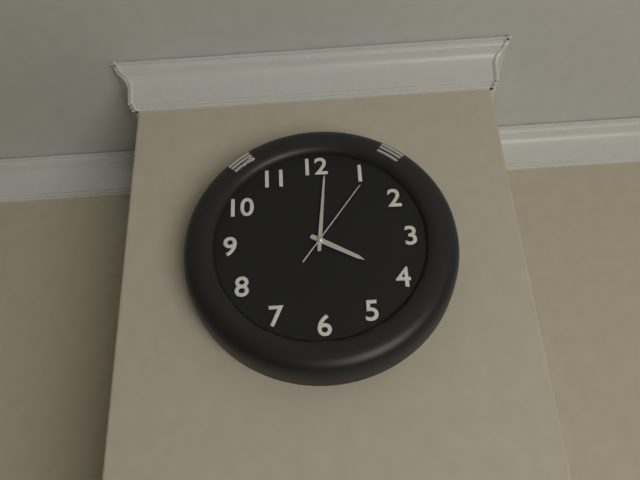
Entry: 4,01,06
